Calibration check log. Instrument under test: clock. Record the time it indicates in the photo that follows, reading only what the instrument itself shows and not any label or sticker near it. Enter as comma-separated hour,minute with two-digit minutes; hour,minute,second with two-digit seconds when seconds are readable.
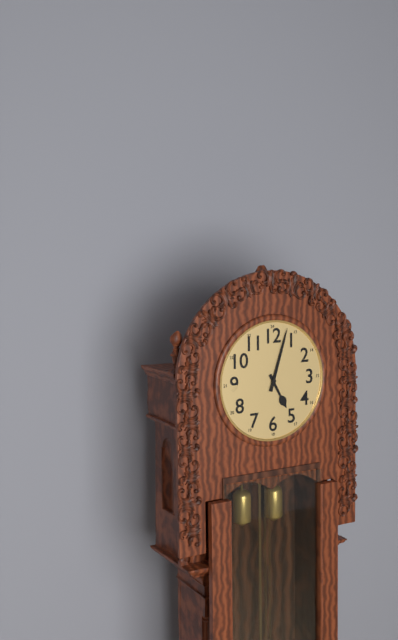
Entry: 5,03
